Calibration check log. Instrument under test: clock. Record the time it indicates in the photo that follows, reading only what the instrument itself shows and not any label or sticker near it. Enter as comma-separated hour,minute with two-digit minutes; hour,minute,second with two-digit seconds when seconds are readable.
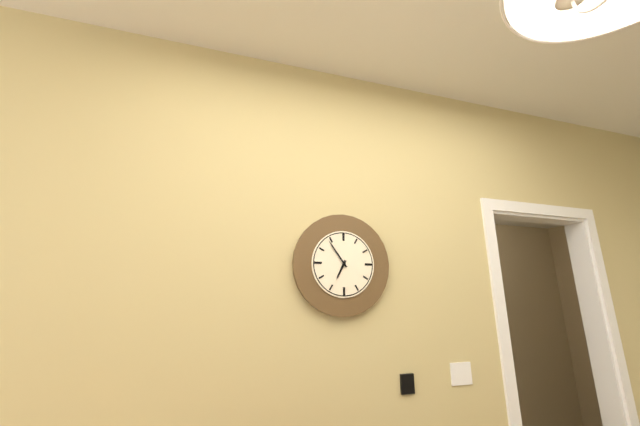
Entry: 6,54
